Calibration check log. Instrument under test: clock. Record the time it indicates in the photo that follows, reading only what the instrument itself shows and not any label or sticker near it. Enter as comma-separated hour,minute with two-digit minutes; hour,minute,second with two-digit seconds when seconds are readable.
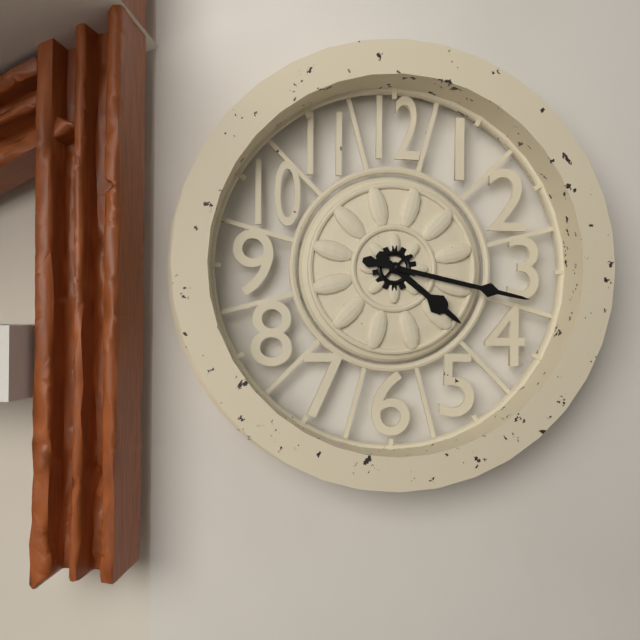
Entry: 4,17
